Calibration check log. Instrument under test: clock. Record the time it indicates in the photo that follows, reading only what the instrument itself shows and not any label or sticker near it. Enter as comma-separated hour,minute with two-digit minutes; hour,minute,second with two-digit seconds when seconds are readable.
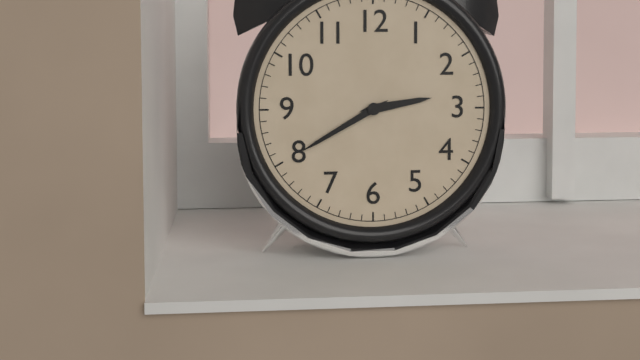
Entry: 2,40
